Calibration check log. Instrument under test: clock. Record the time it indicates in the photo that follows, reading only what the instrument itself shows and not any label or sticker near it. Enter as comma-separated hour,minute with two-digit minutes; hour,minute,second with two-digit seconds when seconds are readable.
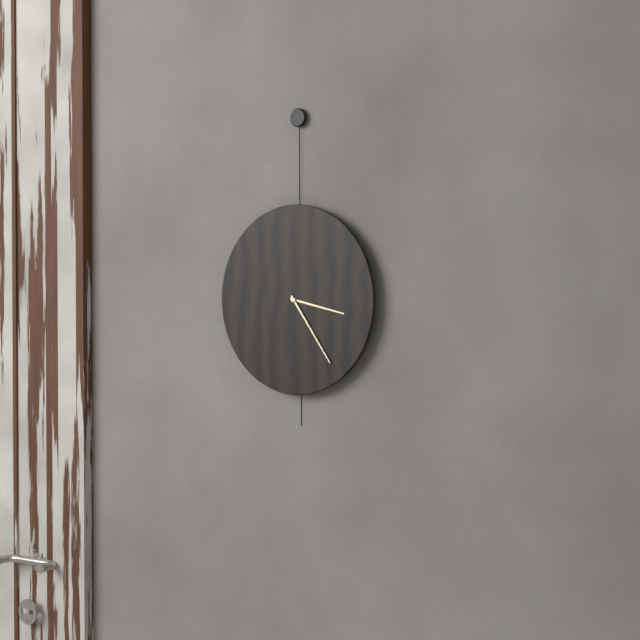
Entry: 3,24
